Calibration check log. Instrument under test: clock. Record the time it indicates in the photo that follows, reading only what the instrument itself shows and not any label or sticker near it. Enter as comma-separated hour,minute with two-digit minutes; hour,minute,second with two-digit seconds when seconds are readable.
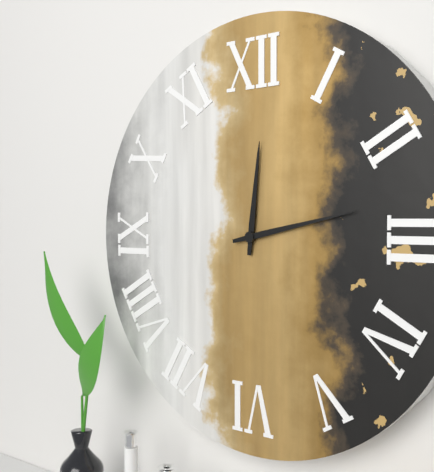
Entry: 12,13
